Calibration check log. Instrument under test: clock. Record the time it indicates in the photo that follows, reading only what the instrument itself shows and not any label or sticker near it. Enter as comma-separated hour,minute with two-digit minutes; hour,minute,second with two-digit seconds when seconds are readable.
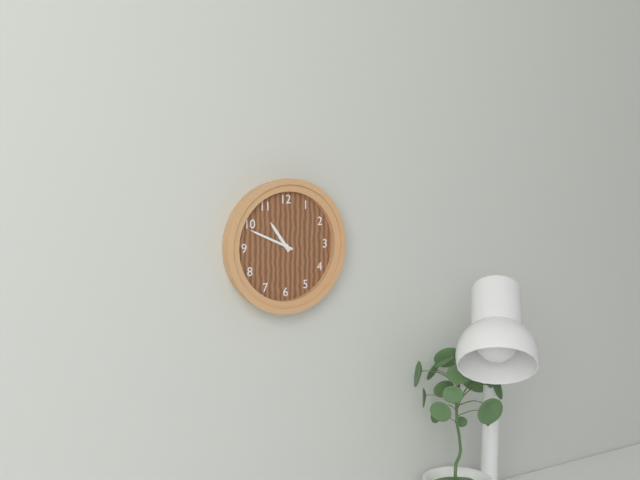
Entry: 10,49
